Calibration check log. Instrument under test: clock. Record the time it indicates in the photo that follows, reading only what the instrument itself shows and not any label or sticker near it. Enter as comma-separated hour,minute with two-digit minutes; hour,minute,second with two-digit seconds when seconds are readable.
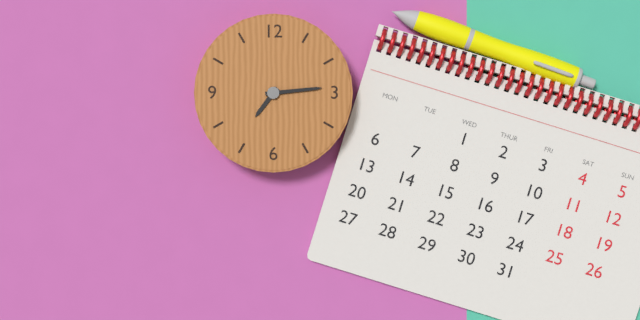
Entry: 7,14
